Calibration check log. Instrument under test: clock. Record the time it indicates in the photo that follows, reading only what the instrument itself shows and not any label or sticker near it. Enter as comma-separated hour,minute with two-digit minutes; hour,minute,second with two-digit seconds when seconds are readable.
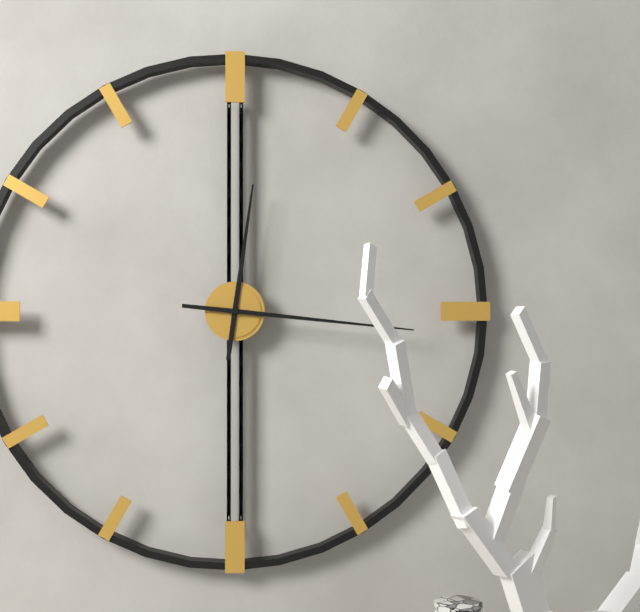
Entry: 12,16
